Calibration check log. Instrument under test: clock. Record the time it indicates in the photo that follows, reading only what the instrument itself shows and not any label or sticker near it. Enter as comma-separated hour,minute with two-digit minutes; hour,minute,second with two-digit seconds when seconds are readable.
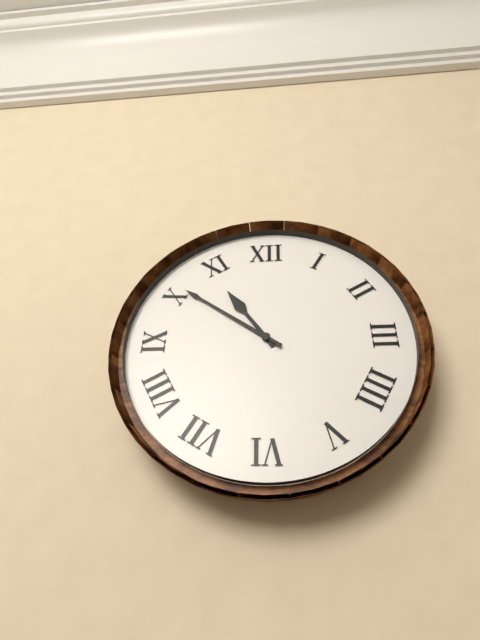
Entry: 10,51
